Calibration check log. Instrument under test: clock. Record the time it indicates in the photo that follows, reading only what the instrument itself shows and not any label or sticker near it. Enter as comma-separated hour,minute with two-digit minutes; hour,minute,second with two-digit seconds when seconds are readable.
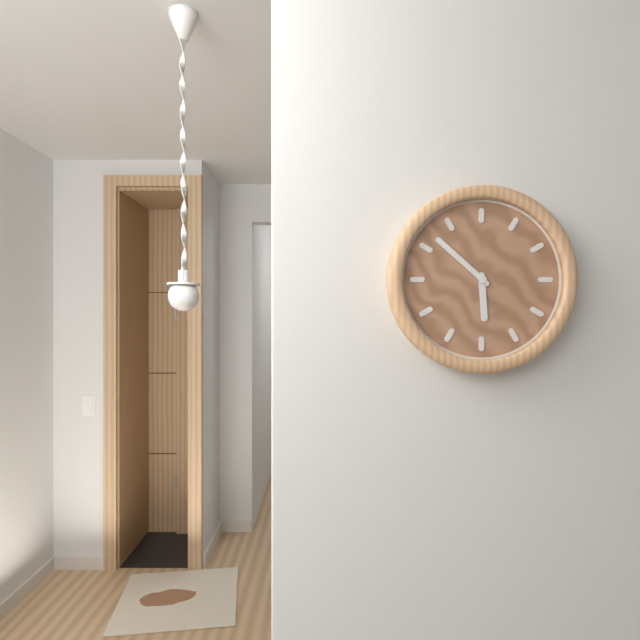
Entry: 5,52
